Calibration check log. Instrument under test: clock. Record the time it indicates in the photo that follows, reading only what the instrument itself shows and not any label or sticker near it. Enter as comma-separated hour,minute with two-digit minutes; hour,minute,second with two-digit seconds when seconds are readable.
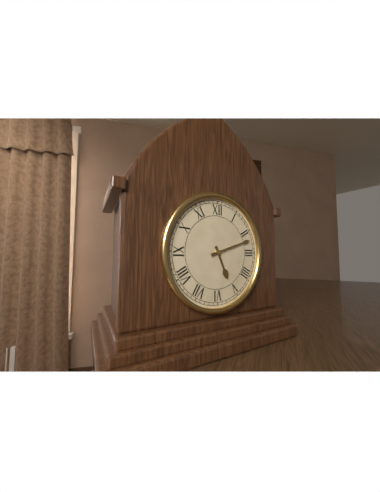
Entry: 5,12
